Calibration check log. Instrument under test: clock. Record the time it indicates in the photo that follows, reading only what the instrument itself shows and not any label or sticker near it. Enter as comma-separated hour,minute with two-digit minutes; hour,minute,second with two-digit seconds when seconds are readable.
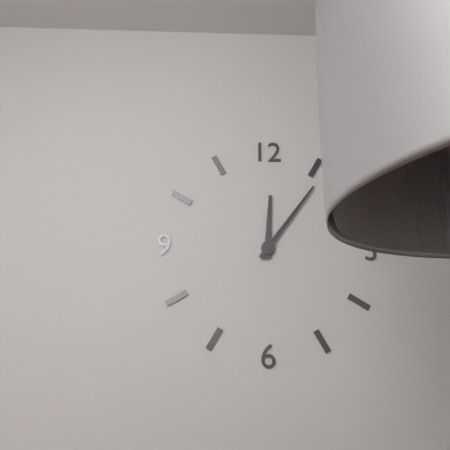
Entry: 12,06
